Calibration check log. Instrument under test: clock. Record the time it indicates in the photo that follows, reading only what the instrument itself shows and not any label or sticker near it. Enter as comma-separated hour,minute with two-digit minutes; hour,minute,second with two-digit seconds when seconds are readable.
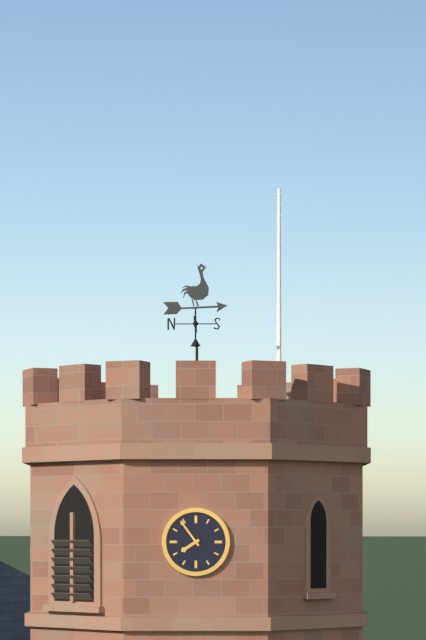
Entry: 7,54
